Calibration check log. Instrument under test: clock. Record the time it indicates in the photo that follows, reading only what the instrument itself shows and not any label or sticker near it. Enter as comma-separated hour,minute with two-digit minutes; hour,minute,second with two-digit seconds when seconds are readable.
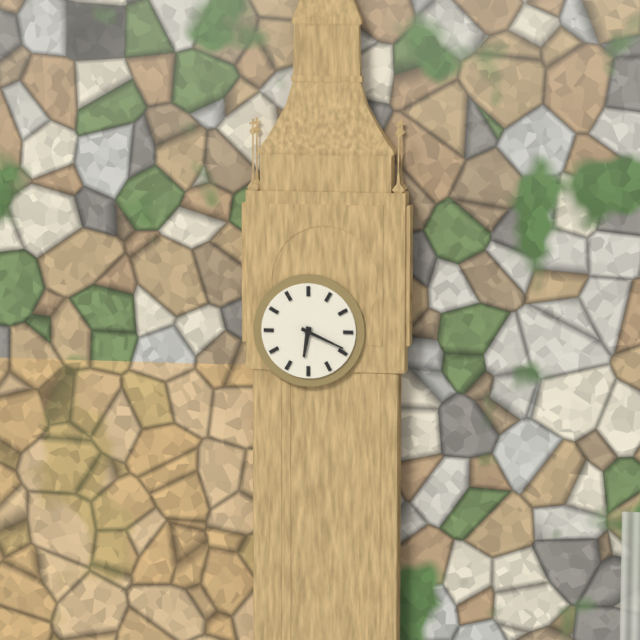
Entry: 6,19
